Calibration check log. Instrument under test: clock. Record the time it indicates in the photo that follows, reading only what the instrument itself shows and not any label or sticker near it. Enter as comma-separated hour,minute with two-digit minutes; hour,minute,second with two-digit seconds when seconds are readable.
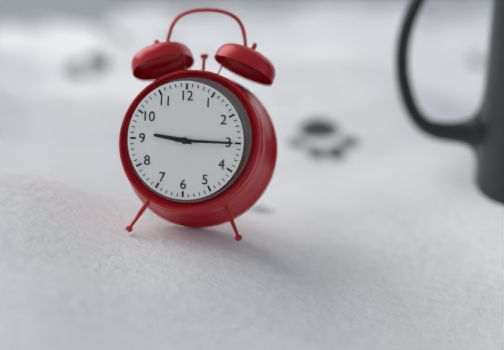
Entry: 9,15
